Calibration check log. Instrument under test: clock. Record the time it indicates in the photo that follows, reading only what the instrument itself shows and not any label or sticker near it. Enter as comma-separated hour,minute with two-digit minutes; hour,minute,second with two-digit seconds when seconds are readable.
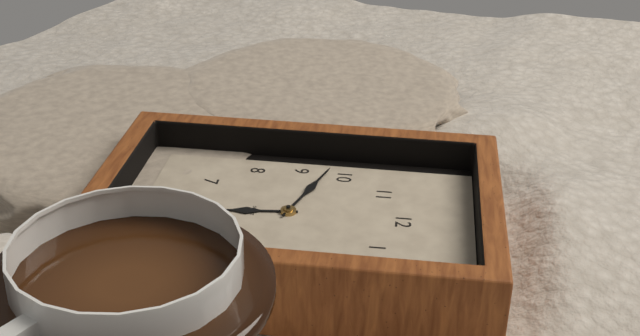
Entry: 5,48
